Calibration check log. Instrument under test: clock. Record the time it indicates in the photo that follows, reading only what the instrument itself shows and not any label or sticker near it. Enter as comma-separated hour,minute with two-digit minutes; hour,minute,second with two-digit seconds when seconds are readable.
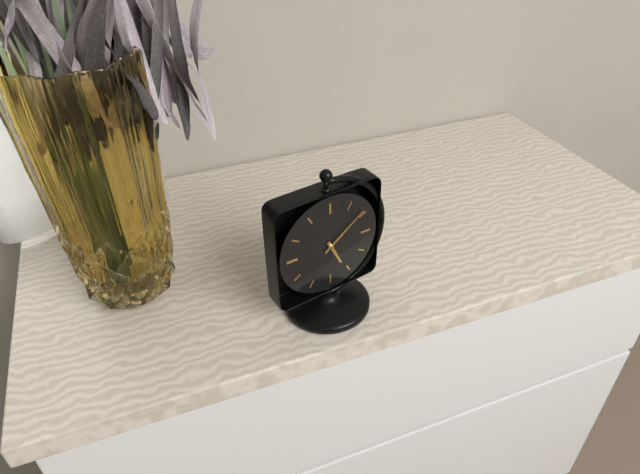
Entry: 5,09
